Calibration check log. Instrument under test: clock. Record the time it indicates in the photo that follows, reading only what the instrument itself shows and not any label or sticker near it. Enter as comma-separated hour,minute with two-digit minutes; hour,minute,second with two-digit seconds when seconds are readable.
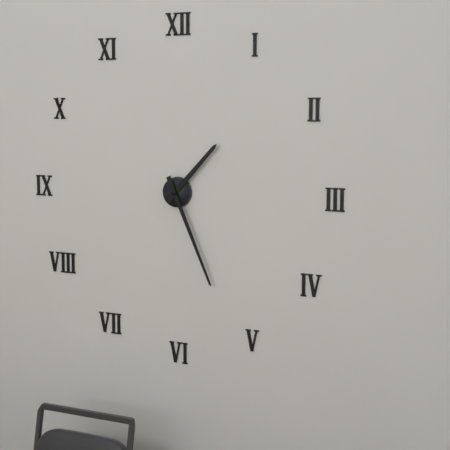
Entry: 1,26
